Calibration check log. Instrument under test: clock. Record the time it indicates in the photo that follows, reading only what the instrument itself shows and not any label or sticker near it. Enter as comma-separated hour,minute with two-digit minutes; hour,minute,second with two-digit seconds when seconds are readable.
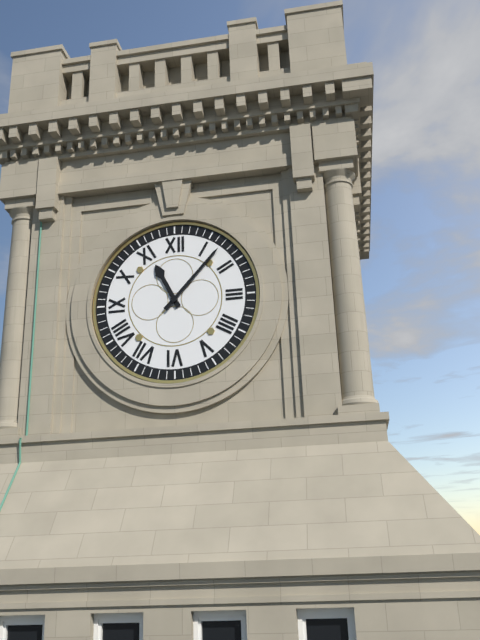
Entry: 11,07
